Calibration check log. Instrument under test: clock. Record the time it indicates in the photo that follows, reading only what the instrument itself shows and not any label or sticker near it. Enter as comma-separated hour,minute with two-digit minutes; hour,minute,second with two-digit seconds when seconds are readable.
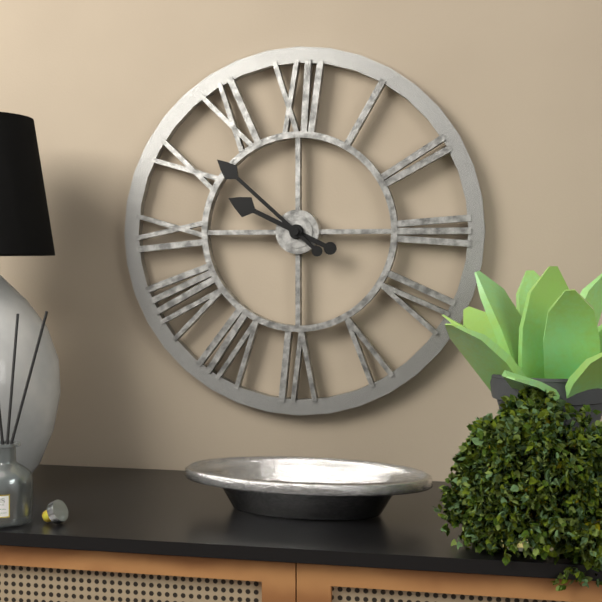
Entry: 9,52
